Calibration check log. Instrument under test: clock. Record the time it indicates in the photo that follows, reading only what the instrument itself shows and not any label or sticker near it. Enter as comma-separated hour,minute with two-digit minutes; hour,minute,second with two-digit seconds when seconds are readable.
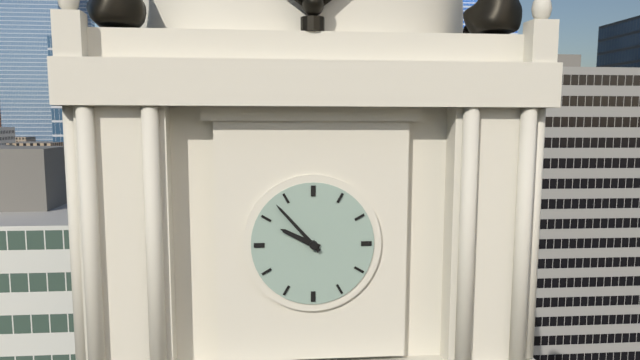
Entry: 9,53
